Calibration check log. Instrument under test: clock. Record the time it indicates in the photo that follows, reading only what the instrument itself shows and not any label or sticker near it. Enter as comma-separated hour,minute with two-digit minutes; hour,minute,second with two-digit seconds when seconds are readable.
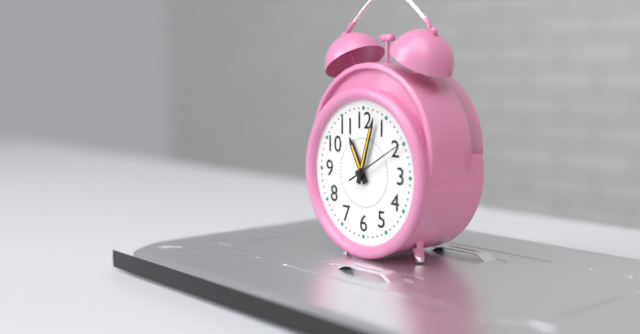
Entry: 11,03,10
